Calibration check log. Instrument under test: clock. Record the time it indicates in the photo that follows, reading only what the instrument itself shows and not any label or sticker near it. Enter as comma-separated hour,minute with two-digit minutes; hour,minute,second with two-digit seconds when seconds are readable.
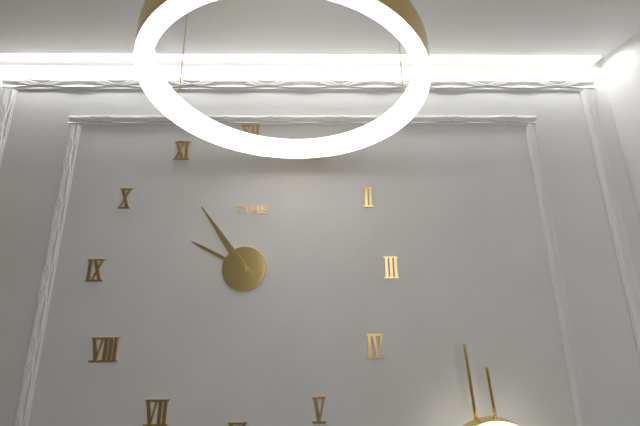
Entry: 9,54
